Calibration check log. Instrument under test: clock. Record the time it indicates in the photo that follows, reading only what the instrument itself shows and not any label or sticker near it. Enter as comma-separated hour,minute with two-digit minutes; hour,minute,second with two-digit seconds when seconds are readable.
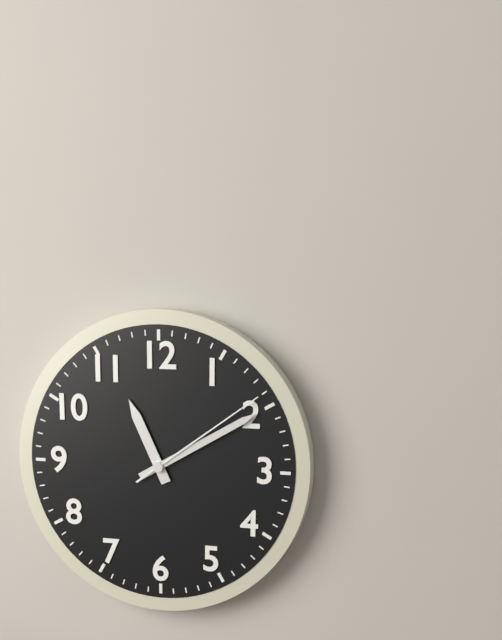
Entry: 11,10,09
